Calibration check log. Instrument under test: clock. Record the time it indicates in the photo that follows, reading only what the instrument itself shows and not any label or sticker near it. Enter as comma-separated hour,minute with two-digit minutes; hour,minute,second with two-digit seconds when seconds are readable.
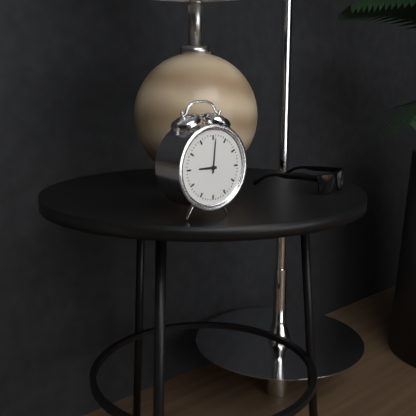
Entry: 9,01
